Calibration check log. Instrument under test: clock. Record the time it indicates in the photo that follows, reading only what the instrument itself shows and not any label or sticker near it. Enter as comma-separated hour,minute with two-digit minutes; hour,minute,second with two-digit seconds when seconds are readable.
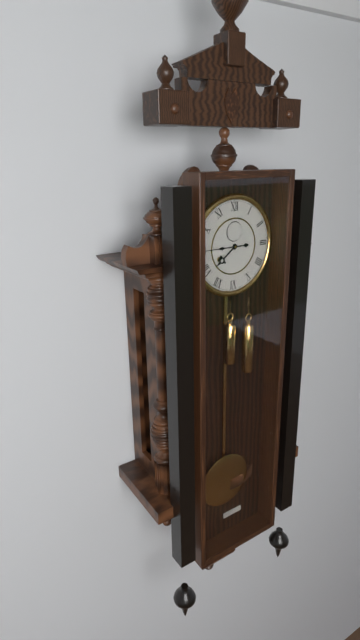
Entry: 7,45
